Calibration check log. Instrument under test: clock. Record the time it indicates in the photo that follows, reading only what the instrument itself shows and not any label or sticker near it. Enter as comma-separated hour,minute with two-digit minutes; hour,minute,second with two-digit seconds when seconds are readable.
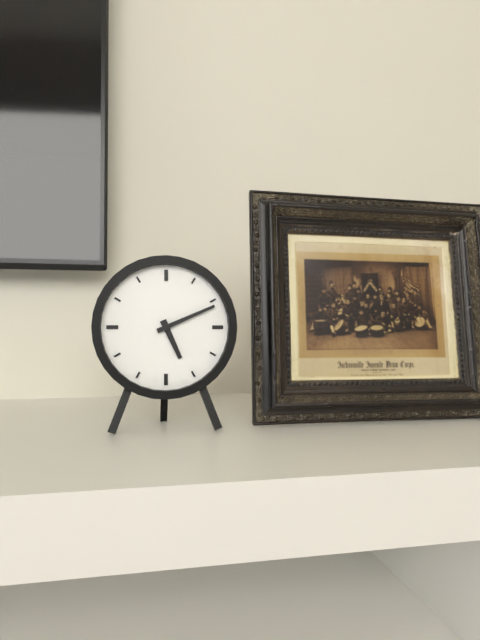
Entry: 5,11
